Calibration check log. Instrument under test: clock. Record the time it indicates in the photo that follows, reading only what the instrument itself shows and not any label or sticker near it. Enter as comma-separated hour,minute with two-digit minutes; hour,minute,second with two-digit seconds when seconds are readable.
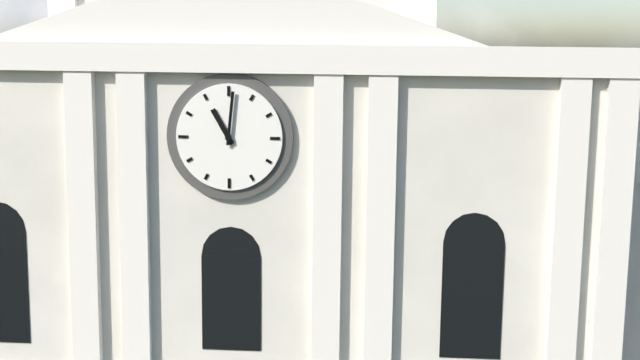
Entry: 11,01
